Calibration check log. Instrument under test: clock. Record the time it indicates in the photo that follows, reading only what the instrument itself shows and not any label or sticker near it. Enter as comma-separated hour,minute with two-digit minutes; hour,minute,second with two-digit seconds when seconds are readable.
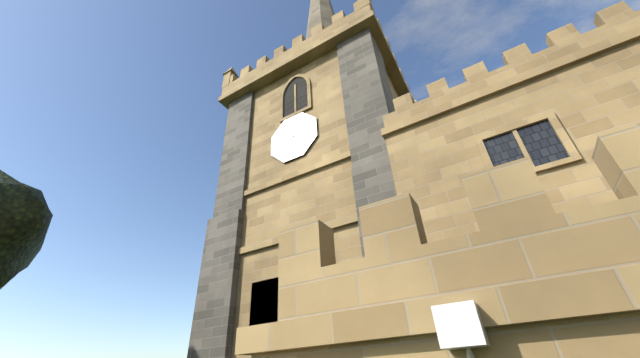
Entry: 6,57
